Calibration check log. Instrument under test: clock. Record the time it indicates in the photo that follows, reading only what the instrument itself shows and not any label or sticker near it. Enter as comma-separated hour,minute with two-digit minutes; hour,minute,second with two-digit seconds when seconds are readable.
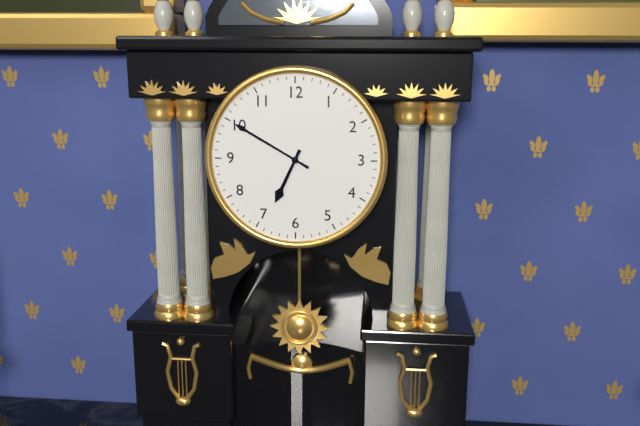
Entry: 6,50
